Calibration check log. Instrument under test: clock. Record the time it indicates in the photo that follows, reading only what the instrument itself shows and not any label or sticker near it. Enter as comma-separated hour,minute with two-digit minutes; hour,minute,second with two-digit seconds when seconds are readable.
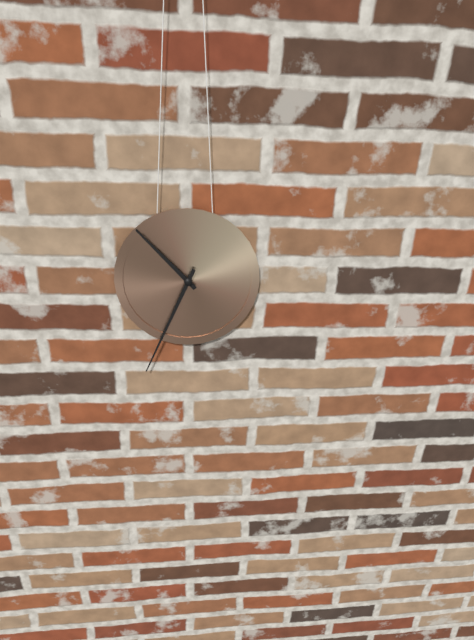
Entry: 10,34
